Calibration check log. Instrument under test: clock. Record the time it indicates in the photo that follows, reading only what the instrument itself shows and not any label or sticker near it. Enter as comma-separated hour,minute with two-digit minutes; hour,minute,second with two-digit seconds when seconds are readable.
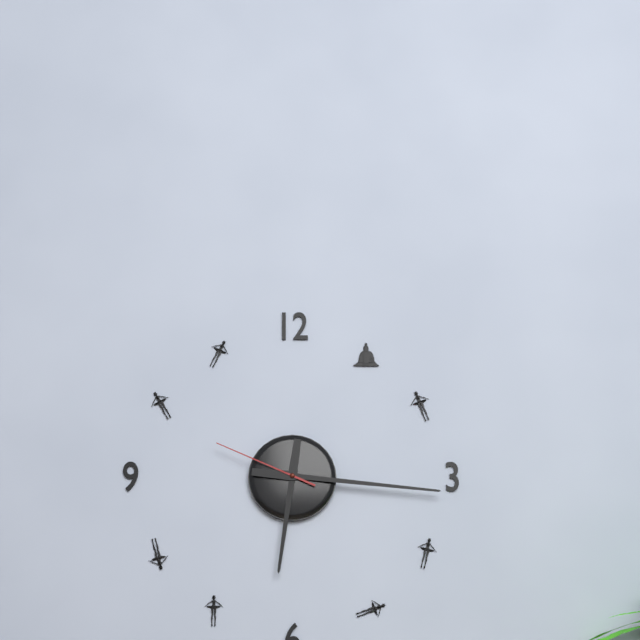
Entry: 6,16,49
